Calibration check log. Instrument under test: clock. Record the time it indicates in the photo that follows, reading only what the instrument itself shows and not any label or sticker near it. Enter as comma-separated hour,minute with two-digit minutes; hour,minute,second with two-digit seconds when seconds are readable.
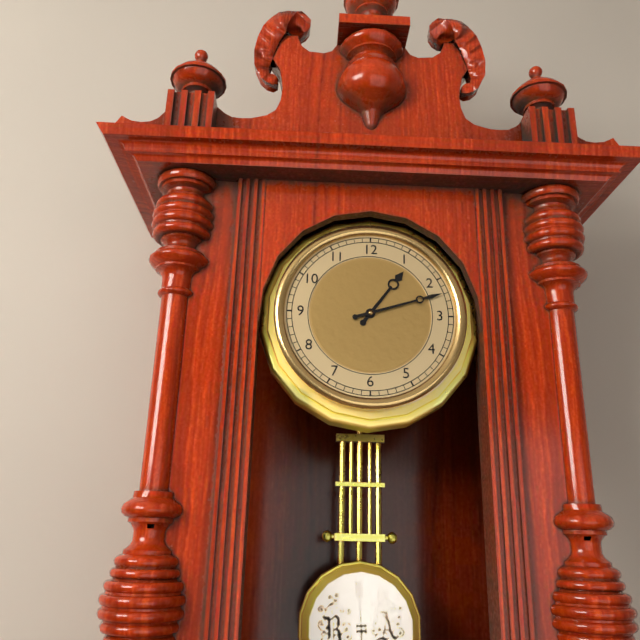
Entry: 1,12
